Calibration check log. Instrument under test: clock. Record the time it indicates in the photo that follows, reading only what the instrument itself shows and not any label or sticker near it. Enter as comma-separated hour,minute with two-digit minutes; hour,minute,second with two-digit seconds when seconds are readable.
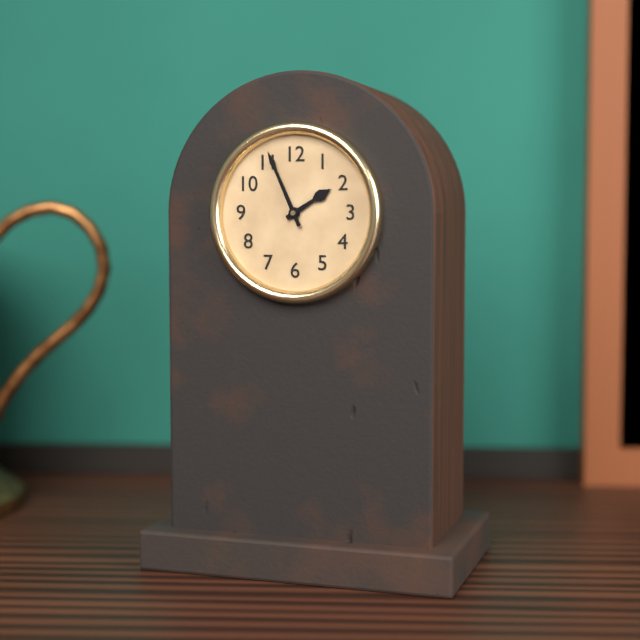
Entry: 1,56
